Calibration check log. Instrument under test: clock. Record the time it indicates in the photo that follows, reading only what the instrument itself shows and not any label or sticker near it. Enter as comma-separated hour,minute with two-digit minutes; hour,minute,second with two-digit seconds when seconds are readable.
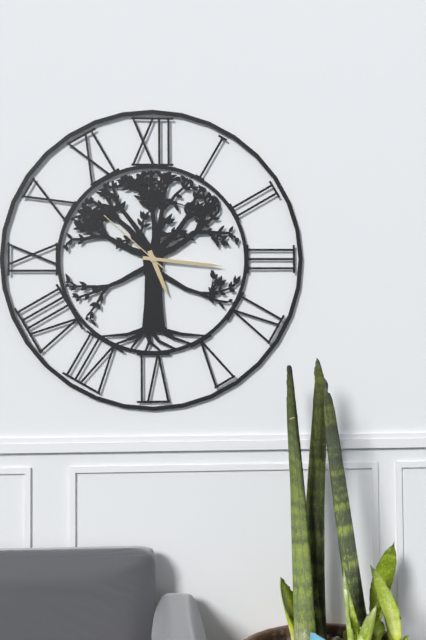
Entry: 5,16,52
